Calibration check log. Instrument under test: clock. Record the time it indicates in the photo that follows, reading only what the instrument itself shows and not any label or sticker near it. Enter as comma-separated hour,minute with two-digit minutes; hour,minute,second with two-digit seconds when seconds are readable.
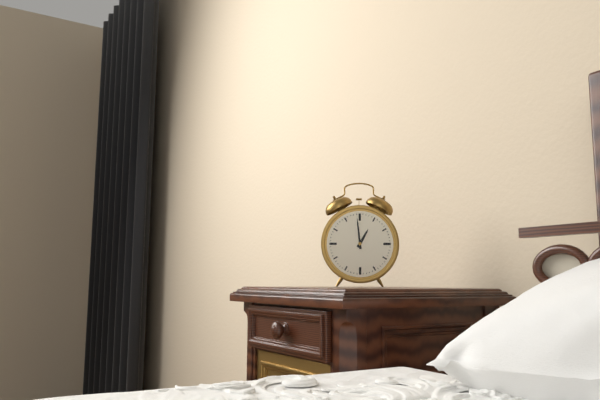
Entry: 12,59
